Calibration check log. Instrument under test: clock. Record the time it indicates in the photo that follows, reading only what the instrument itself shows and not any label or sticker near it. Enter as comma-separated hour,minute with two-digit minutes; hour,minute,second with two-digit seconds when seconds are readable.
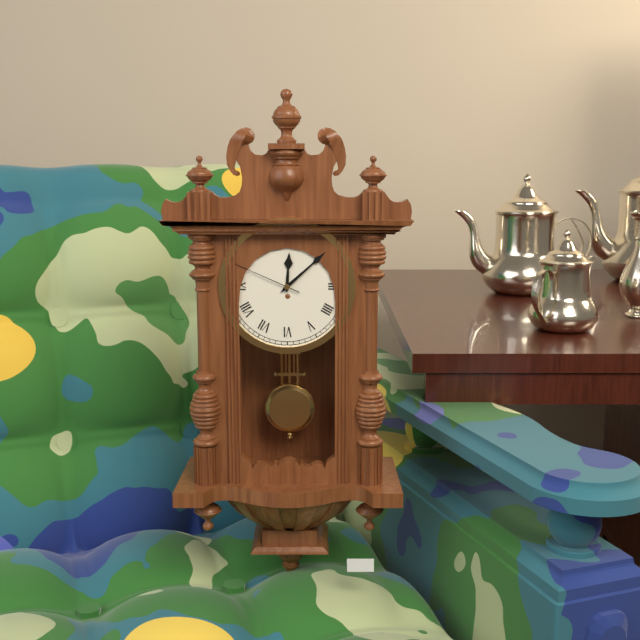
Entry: 12,08,49
